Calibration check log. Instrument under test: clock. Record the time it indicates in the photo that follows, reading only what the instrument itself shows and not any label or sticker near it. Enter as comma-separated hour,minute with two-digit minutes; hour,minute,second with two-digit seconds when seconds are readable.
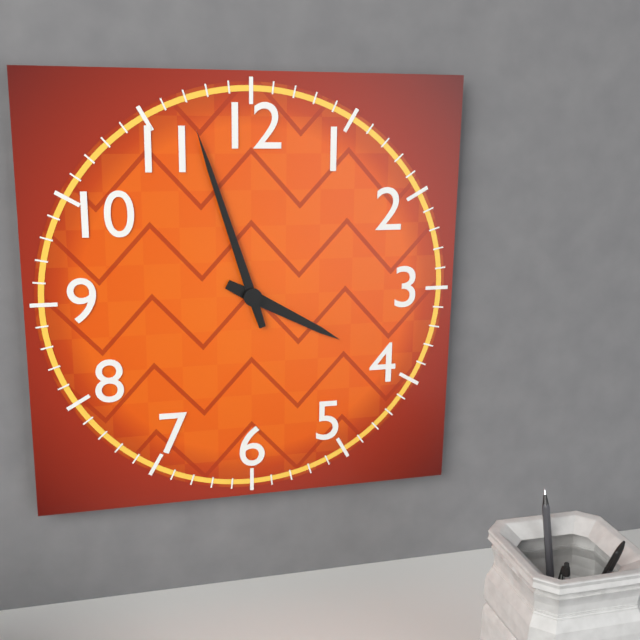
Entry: 3,57
